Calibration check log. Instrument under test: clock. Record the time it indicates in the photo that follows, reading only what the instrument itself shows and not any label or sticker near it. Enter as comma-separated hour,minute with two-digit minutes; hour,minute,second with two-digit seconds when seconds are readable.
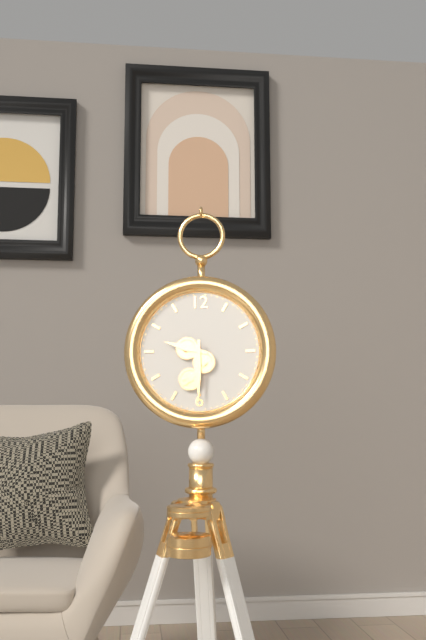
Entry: 9,30
